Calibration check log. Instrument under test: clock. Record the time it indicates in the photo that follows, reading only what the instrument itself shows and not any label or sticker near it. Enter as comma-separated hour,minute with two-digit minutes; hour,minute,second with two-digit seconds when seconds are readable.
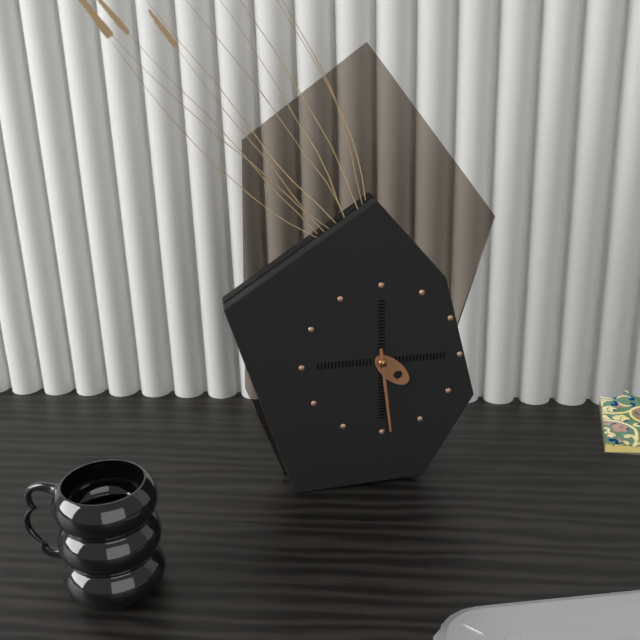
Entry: 4,29
